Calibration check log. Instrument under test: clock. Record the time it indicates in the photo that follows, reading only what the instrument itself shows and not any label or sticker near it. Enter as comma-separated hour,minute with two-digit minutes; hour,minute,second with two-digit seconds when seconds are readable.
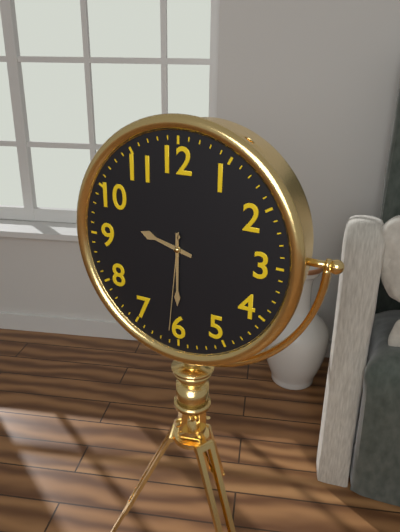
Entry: 9,30,31
